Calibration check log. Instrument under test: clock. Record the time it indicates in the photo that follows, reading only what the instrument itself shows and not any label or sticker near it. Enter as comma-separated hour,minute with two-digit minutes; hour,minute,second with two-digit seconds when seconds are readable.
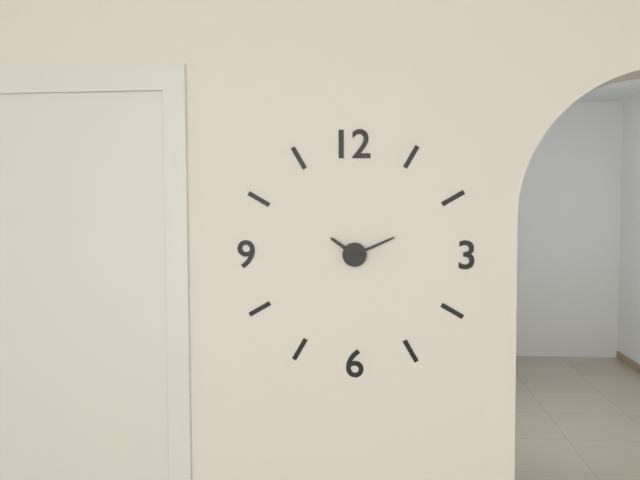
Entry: 10,11
